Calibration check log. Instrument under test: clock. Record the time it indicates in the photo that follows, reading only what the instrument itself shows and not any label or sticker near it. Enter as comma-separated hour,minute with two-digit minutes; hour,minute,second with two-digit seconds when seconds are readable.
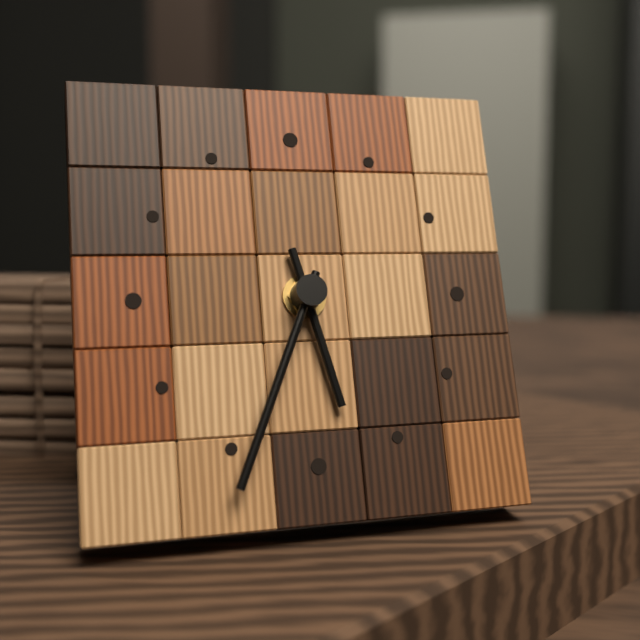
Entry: 5,34
